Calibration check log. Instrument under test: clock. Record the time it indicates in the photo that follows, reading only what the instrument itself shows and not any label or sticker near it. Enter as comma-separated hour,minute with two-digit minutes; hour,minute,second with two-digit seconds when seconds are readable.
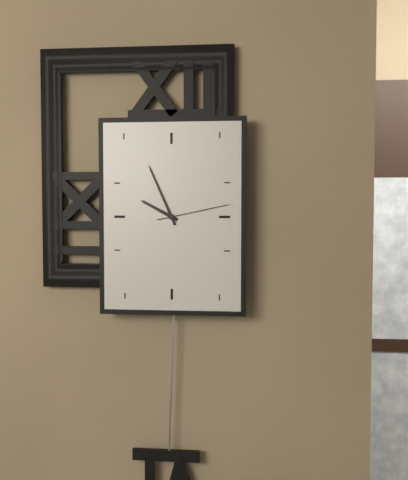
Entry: 9,56,13
